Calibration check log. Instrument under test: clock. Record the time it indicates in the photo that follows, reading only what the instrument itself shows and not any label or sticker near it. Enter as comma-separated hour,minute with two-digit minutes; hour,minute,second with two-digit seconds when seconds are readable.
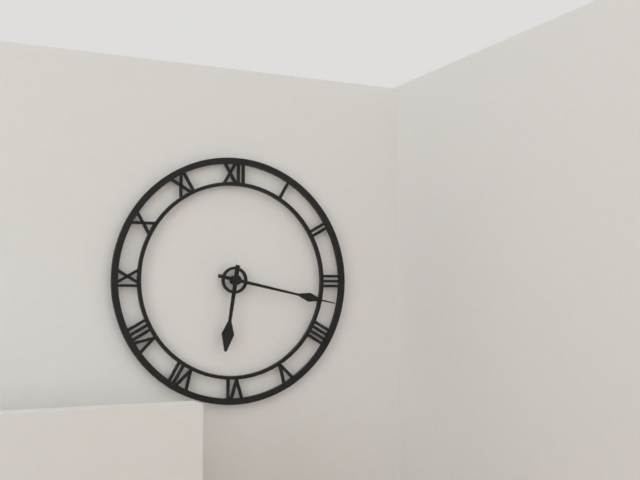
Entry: 6,17
